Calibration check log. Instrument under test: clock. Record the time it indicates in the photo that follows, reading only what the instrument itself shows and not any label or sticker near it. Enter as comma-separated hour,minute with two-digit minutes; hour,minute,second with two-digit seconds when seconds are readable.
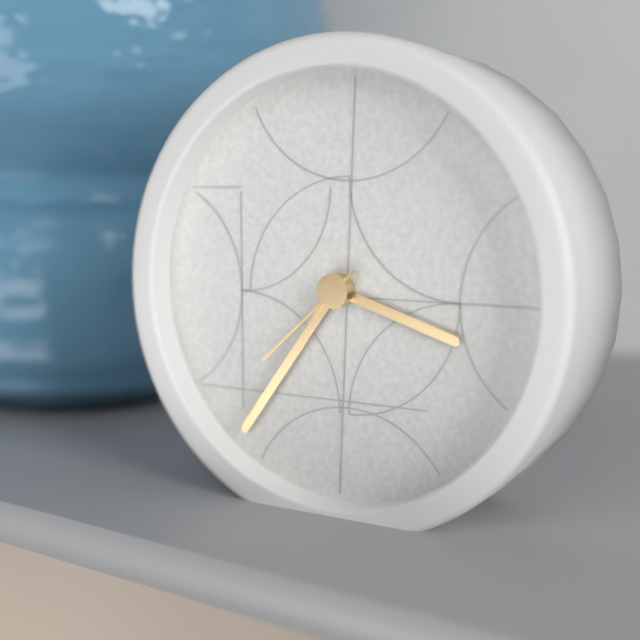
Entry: 3,36,38
